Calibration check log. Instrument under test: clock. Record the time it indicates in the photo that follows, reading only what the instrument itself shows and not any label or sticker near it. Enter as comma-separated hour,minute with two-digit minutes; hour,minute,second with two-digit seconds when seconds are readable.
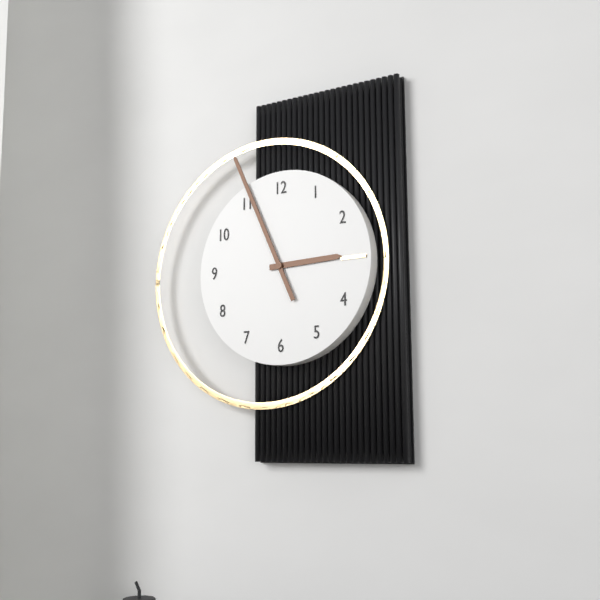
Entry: 2,56
